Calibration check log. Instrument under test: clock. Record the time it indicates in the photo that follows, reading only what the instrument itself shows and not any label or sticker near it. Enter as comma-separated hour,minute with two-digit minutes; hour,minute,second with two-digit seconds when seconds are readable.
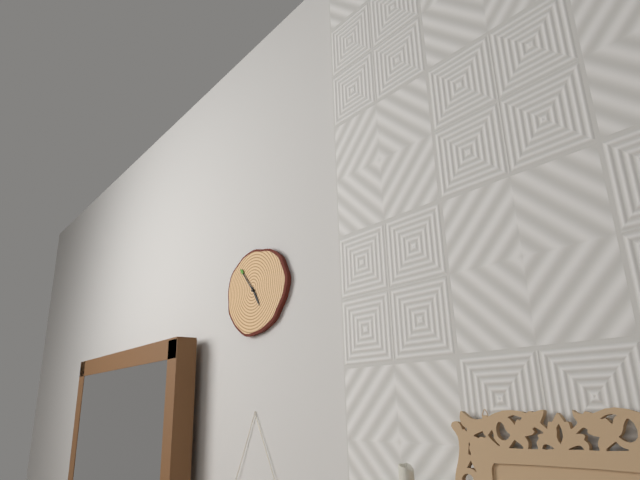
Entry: 4,53
